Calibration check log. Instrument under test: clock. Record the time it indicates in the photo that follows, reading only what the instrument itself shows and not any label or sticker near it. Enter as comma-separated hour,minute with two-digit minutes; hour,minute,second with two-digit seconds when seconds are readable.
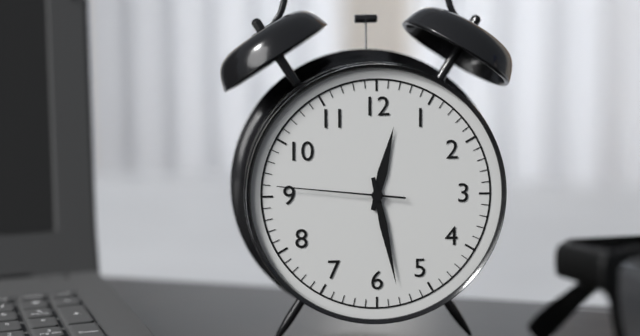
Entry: 12,28,46
